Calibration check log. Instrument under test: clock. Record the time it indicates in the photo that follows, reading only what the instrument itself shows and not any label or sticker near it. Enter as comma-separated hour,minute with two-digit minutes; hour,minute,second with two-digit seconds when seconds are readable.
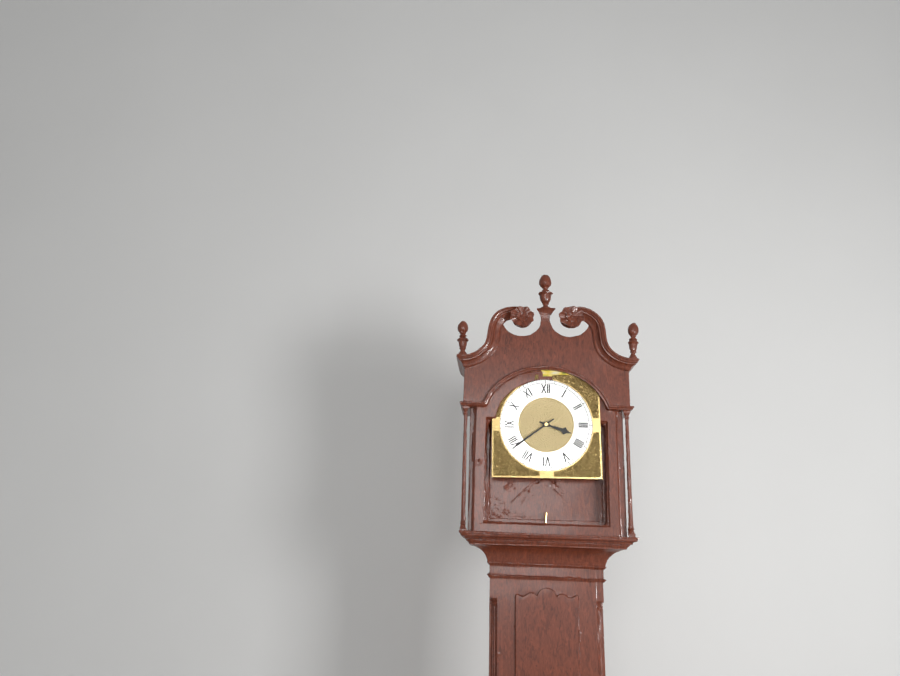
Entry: 3,39
